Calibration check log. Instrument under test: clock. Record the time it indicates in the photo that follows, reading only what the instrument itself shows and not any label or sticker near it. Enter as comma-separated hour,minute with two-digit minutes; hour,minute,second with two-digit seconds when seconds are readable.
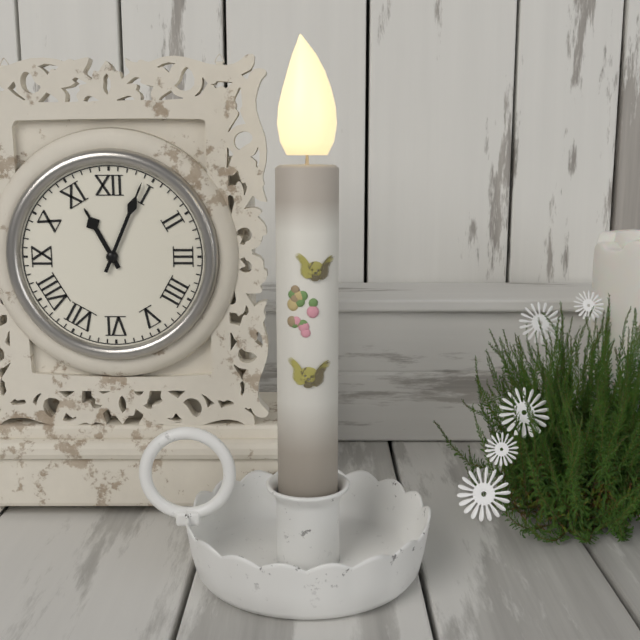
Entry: 11,04
